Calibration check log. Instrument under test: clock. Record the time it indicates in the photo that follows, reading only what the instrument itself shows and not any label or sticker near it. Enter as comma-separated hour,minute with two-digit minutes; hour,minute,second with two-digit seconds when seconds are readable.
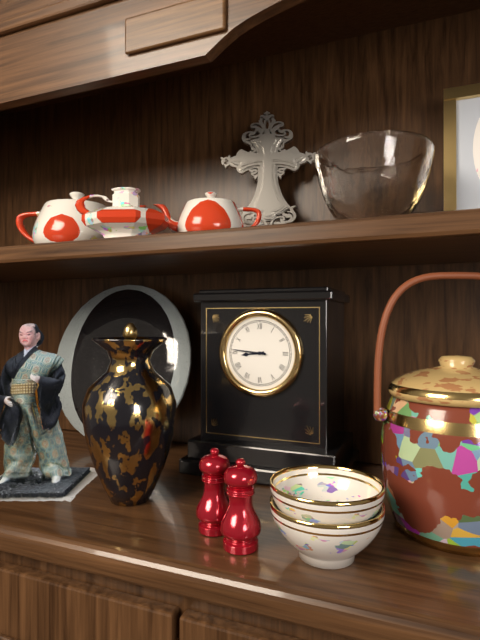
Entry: 8,46
